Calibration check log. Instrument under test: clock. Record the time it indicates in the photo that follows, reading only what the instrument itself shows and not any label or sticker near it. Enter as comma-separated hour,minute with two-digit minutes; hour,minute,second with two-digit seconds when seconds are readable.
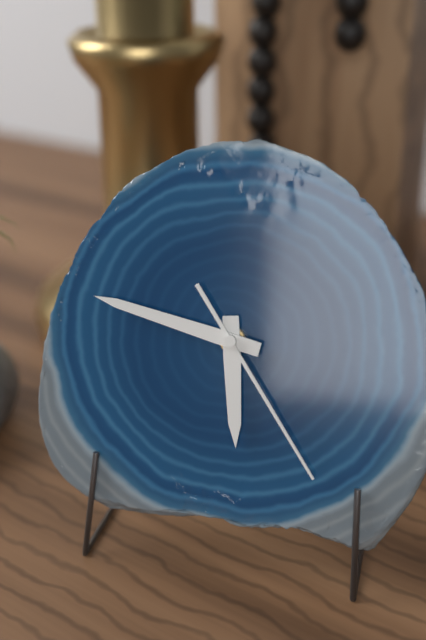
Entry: 5,47,24
